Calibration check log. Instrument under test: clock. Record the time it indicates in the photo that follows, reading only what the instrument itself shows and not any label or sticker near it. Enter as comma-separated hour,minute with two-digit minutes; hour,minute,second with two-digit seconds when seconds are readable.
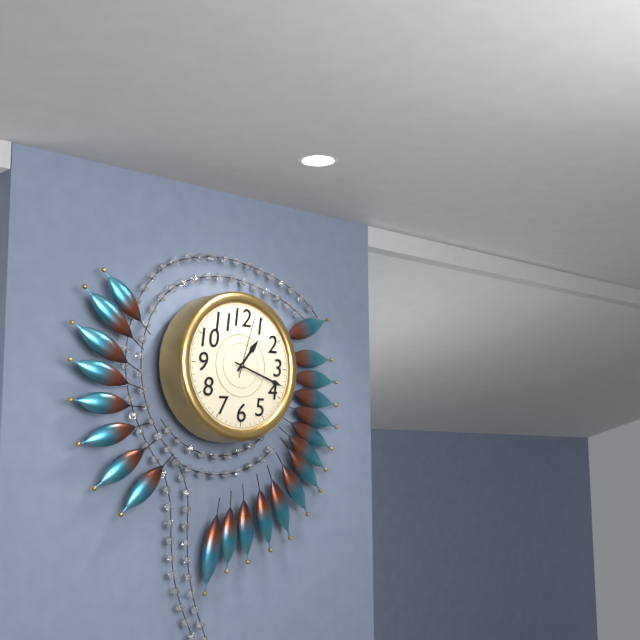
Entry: 1,18,03
